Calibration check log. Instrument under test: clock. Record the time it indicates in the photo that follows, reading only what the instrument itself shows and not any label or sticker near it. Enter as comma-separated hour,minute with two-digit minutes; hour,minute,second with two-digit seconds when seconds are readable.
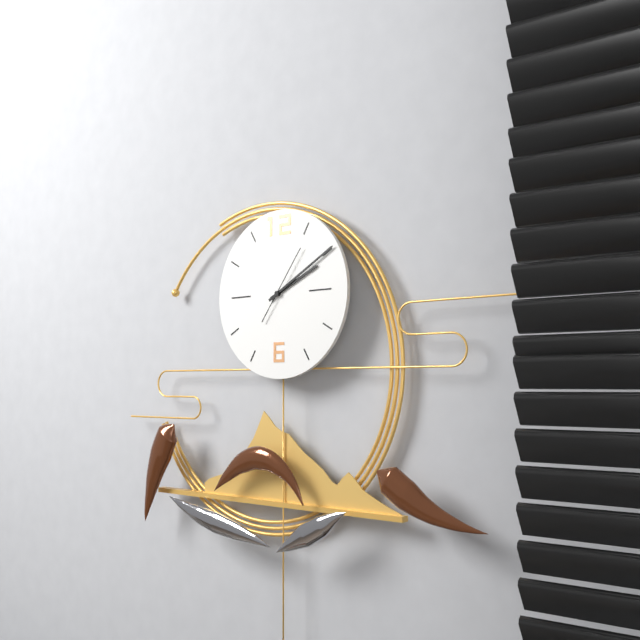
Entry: 2,10,06
